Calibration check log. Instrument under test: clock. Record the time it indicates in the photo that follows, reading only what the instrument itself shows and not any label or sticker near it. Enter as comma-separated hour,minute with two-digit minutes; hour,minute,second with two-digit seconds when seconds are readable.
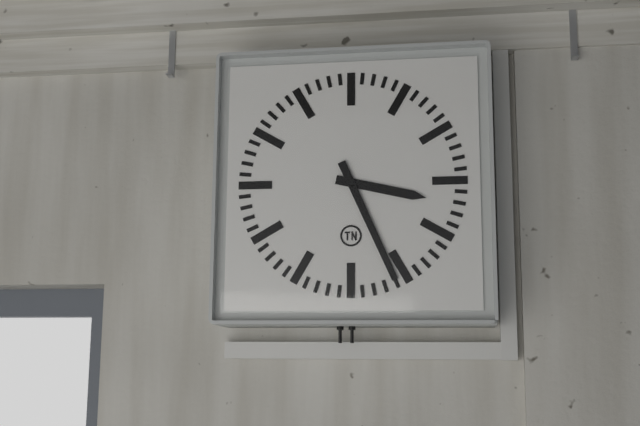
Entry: 3,26
